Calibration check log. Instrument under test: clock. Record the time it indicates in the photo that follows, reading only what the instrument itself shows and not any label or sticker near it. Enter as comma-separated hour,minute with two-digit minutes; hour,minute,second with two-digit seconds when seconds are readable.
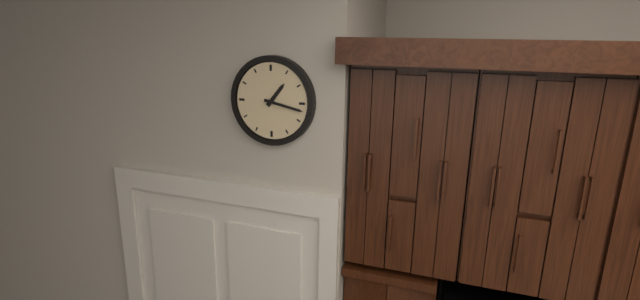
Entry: 1,17
